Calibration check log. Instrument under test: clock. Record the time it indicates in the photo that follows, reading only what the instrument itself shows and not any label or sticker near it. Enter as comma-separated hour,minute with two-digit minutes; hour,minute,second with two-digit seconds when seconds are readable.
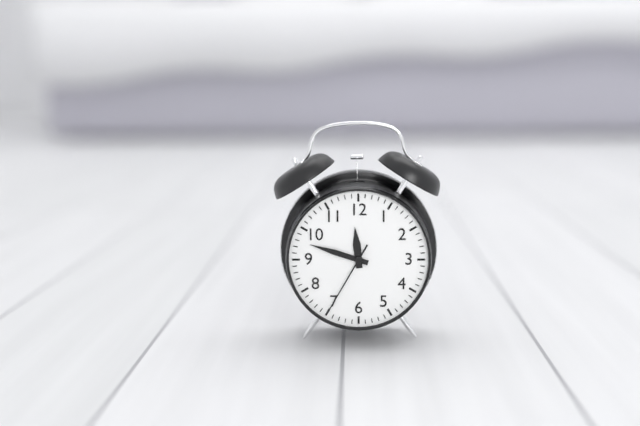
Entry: 11,48,35
